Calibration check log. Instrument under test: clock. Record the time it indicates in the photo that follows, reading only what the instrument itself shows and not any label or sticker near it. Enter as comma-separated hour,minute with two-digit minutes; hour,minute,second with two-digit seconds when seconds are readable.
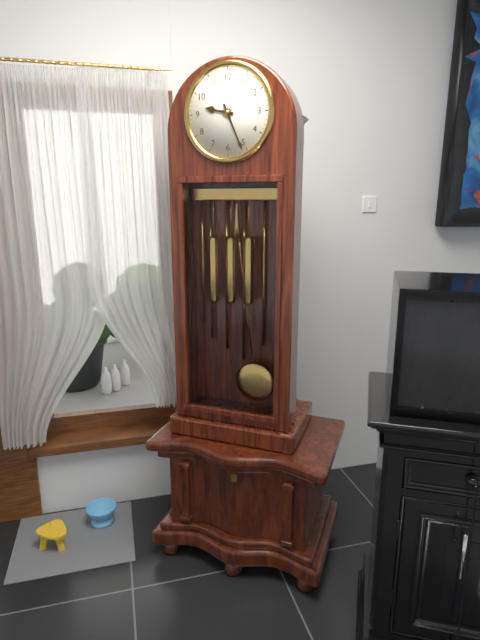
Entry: 9,26
